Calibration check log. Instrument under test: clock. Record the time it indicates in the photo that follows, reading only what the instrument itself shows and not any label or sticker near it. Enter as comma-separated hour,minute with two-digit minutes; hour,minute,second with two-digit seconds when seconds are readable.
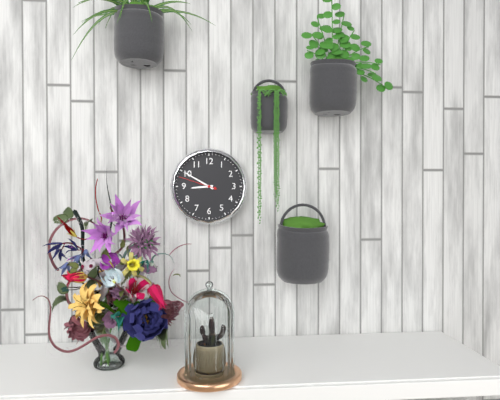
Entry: 8,50
